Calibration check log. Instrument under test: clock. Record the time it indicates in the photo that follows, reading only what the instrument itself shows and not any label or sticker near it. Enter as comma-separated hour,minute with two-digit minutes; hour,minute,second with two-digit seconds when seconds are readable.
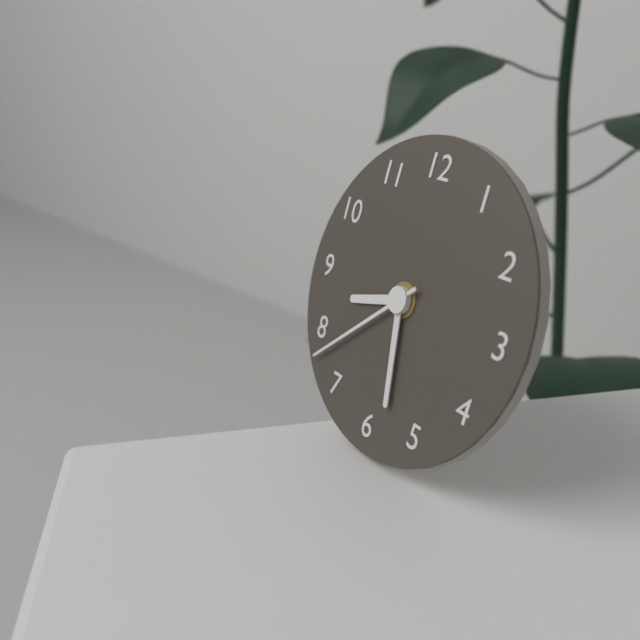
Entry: 8,28,38
